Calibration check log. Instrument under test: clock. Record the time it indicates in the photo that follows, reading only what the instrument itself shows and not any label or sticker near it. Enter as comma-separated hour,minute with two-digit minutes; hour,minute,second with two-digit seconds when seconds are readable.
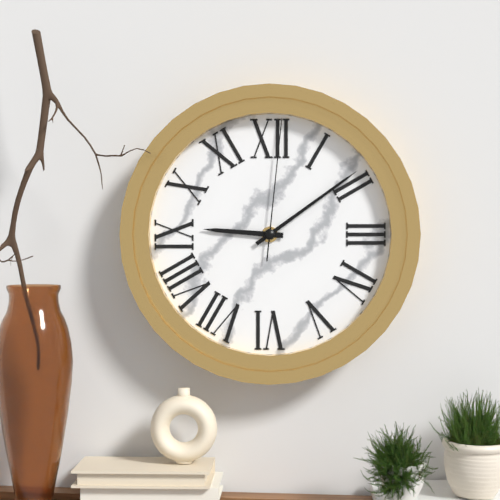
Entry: 9,09,01
